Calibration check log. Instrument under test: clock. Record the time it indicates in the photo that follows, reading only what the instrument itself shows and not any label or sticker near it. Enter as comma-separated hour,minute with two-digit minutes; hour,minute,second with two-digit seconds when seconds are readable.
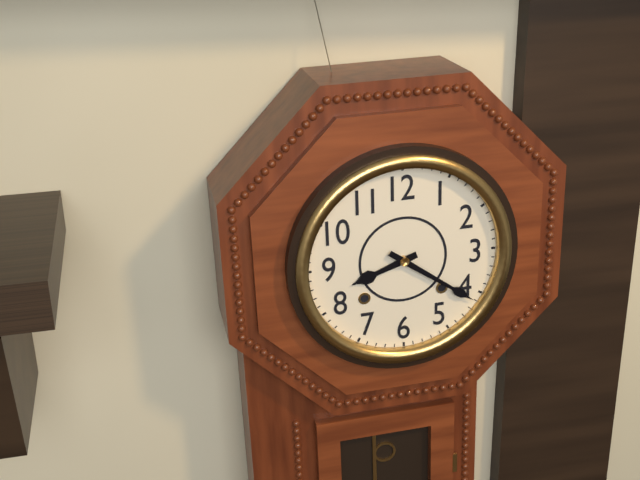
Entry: 8,21
